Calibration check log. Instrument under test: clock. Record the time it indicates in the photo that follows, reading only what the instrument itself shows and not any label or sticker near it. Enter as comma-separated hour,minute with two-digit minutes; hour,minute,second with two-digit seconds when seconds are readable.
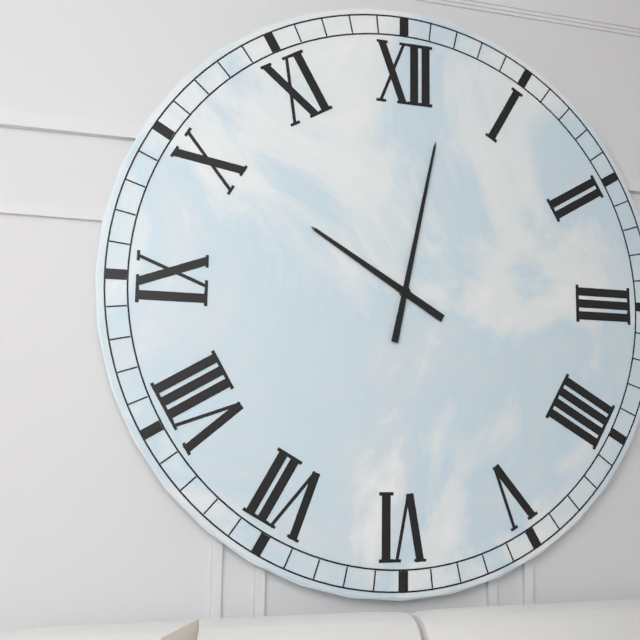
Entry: 10,02
